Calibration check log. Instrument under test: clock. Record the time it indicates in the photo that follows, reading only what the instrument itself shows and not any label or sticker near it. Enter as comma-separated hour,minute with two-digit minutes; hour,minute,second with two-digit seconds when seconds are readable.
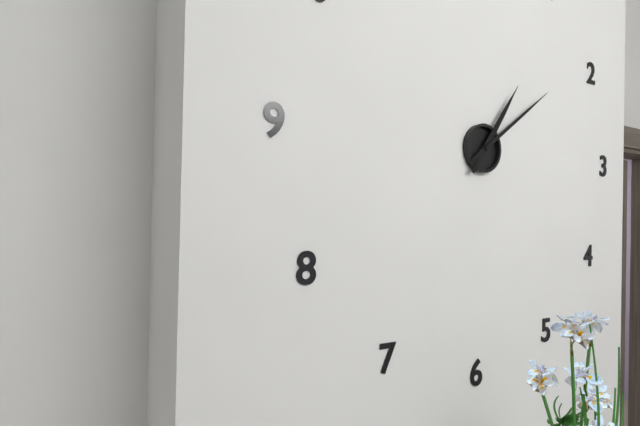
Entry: 1,09
